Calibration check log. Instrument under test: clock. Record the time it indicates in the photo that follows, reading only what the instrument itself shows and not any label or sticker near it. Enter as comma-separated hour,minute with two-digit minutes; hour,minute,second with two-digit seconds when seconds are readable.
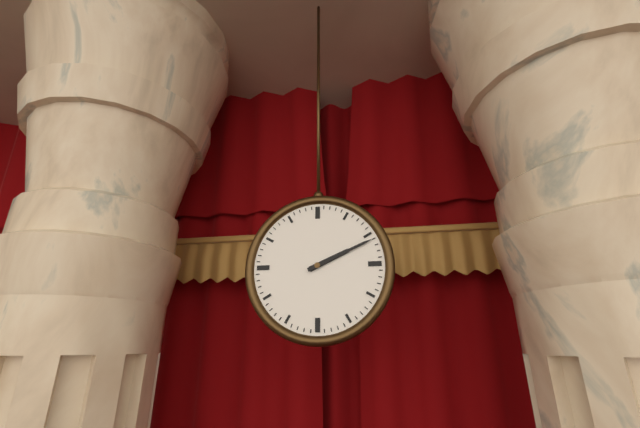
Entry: 2,11
